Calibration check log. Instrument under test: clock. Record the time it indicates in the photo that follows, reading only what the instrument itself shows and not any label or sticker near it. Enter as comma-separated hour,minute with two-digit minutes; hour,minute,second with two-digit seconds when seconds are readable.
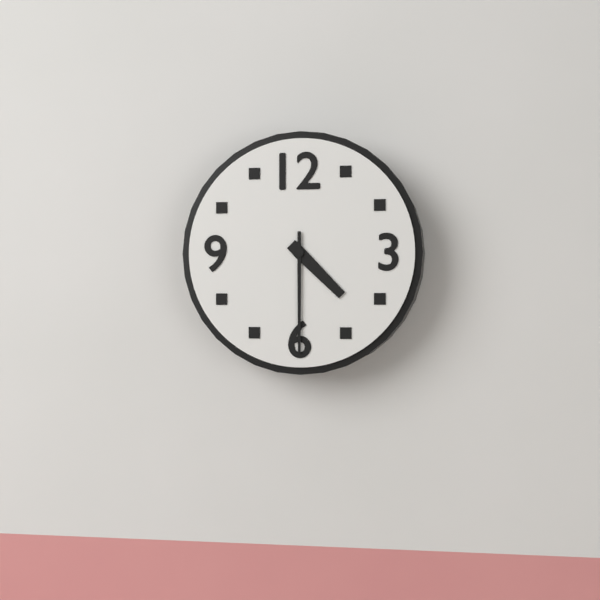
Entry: 4,30
